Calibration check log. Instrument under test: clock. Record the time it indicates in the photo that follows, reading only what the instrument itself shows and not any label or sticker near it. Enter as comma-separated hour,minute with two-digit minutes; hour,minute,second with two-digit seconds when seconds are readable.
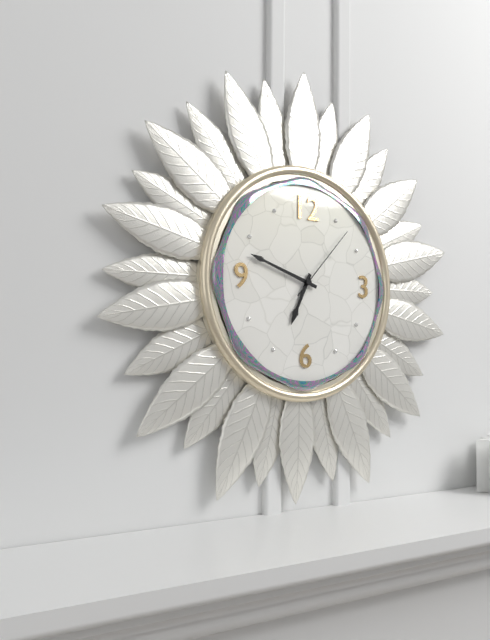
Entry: 6,48,07
